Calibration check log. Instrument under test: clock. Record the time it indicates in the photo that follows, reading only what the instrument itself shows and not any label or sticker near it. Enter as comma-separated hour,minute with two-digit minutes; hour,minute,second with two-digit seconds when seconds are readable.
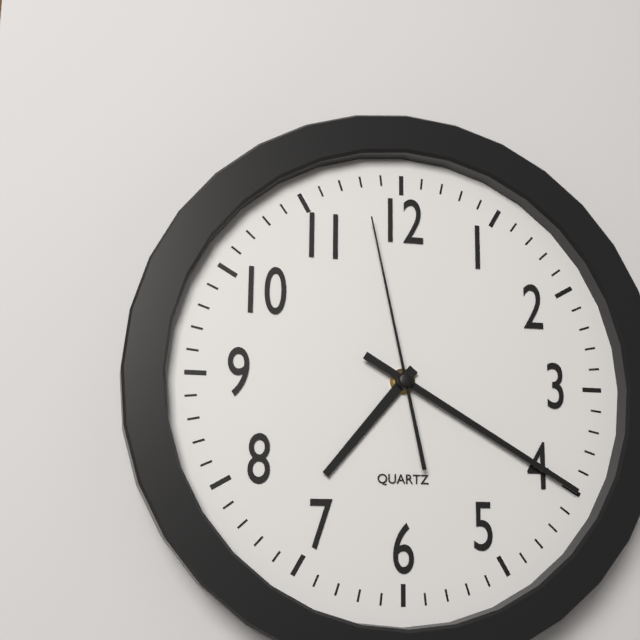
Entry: 7,20,58
